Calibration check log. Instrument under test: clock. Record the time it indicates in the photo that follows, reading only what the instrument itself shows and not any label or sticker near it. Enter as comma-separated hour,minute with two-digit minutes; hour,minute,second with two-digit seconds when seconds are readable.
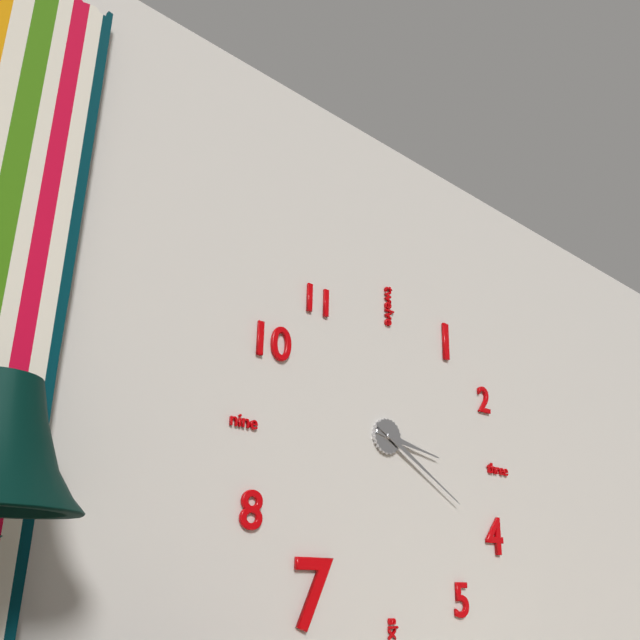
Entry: 3,20
